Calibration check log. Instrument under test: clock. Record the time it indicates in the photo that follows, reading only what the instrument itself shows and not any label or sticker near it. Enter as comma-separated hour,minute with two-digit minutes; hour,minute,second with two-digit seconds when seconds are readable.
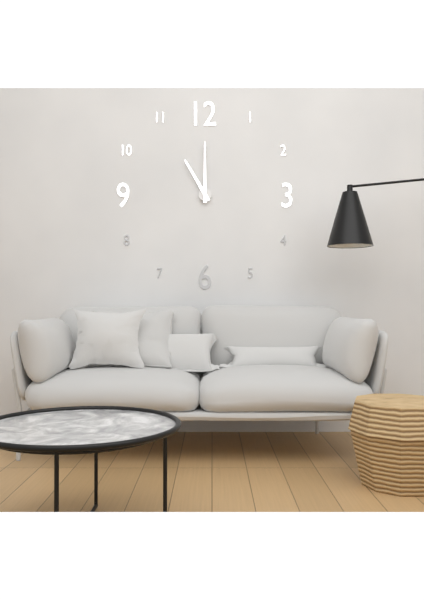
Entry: 11,00
